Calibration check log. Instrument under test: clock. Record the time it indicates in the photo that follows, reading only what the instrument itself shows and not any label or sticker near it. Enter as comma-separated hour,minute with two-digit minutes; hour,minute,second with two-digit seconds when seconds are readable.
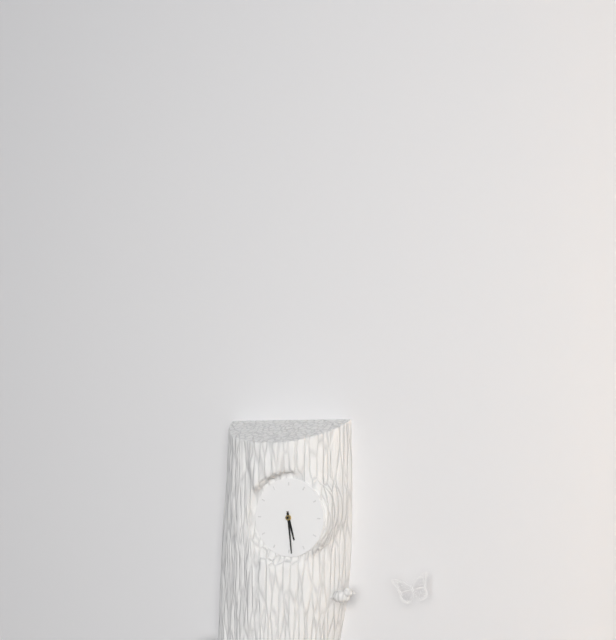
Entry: 5,29
